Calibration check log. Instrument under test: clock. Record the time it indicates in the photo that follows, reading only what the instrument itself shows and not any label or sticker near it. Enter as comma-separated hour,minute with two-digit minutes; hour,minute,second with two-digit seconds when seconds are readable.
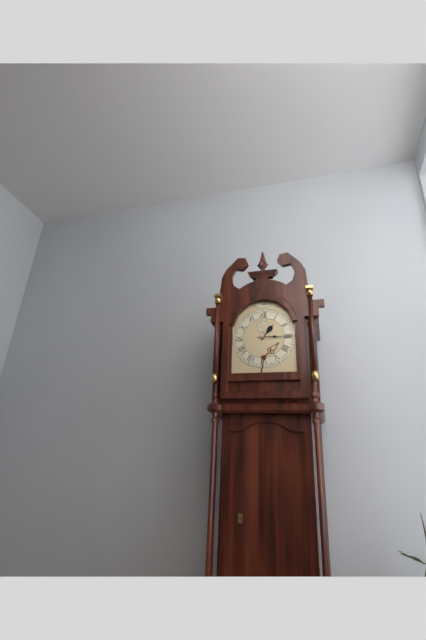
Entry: 1,15
